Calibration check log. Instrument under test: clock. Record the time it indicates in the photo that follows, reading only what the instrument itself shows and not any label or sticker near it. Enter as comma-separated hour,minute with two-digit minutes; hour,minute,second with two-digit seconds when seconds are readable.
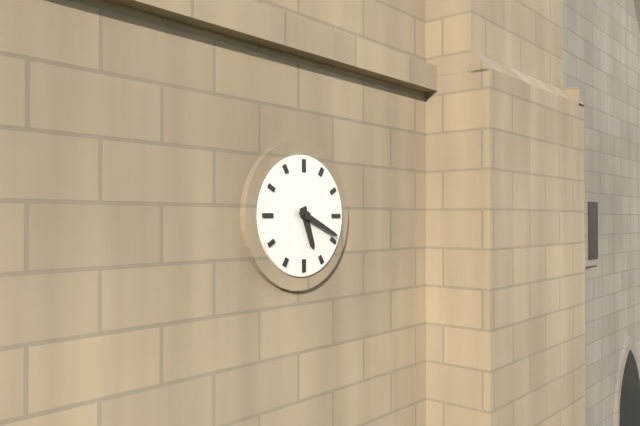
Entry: 5,19
